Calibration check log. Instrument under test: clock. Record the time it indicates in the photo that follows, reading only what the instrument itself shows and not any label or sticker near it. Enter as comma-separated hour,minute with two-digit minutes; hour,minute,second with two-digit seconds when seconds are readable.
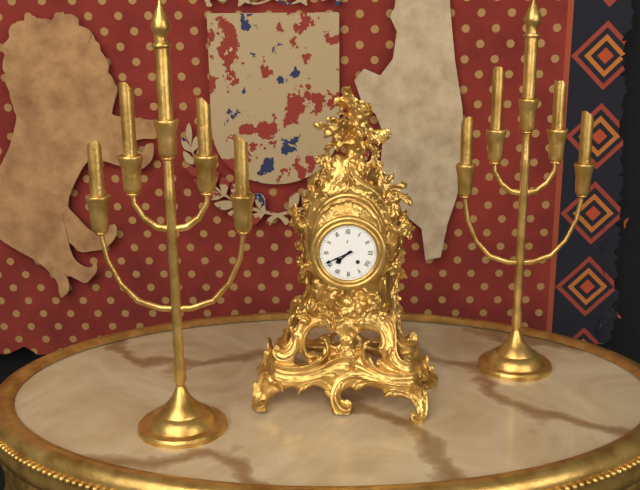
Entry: 7,41
